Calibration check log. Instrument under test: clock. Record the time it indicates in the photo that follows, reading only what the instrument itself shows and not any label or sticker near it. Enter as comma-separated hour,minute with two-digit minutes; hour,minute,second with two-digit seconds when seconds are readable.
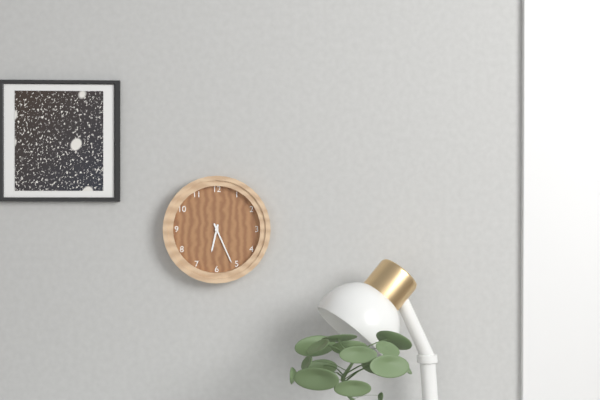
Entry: 6,26
